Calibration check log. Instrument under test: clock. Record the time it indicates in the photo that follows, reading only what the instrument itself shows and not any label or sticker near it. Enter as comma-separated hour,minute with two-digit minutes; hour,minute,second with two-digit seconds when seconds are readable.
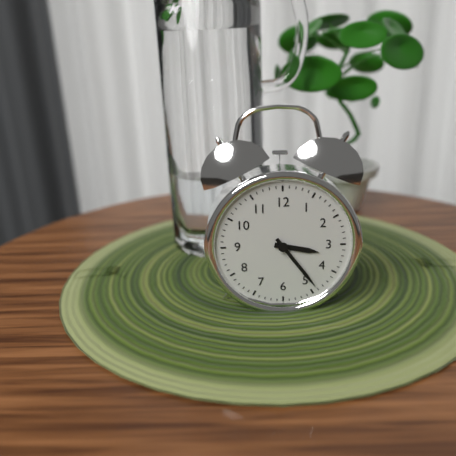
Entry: 3,24
